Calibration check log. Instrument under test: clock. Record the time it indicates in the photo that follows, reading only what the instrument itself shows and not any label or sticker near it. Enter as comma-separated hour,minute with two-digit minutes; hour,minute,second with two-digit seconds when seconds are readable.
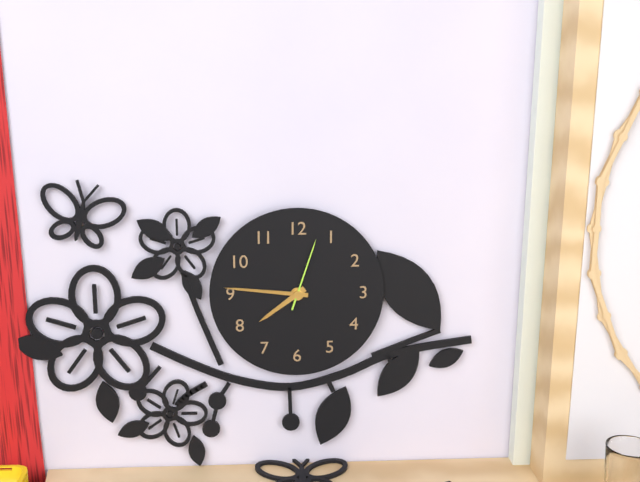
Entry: 7,46,03
